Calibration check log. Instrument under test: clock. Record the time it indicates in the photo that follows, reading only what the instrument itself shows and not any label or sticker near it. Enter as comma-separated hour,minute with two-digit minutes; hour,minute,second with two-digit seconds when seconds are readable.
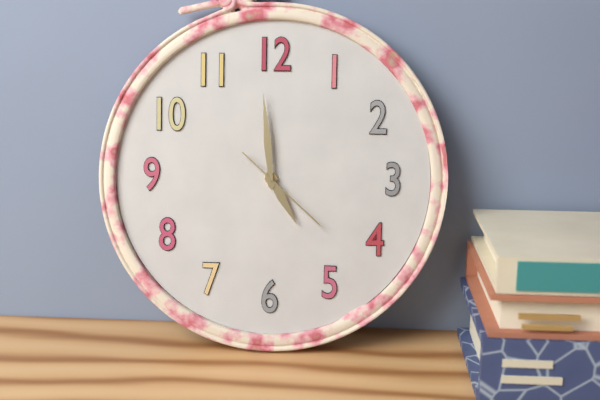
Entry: 4,59,22
